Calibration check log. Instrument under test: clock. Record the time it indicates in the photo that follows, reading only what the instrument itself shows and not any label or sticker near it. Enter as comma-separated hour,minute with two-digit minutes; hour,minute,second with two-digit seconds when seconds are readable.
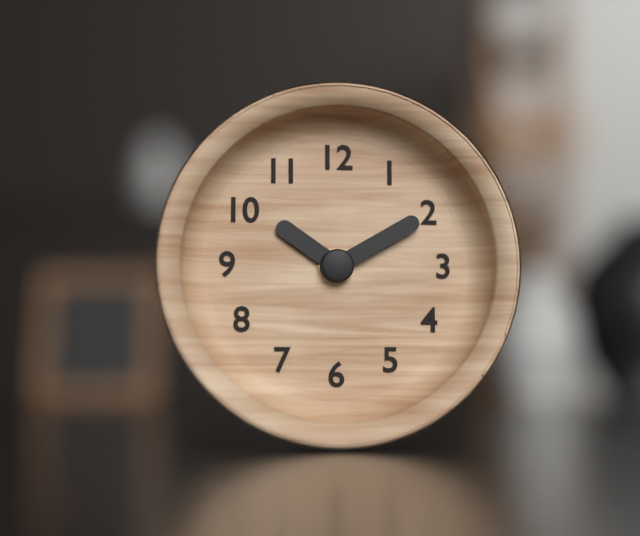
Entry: 10,10
